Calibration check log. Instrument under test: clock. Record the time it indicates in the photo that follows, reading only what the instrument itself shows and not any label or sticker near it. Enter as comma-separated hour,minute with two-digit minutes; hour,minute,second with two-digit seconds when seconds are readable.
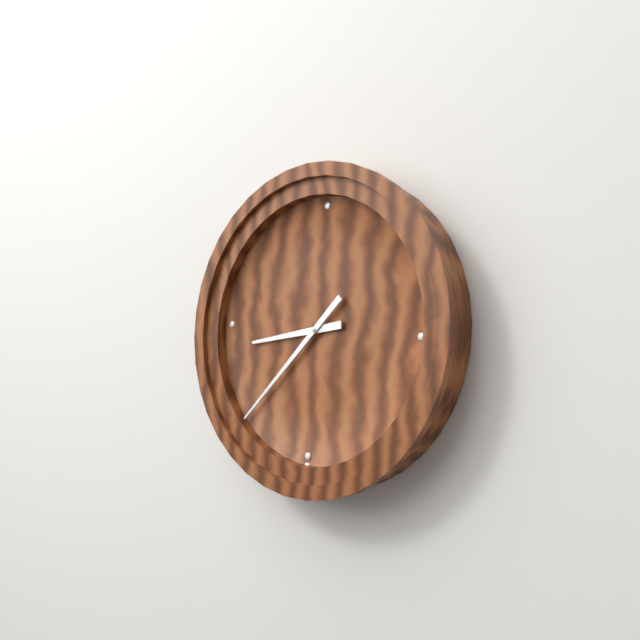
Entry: 8,37
